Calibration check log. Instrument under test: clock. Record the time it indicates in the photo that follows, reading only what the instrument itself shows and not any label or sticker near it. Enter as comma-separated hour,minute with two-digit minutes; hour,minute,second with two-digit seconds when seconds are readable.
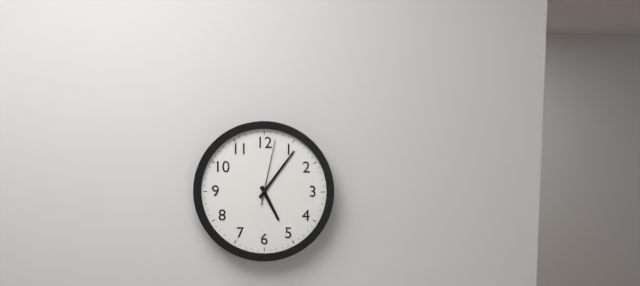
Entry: 5,06,02
